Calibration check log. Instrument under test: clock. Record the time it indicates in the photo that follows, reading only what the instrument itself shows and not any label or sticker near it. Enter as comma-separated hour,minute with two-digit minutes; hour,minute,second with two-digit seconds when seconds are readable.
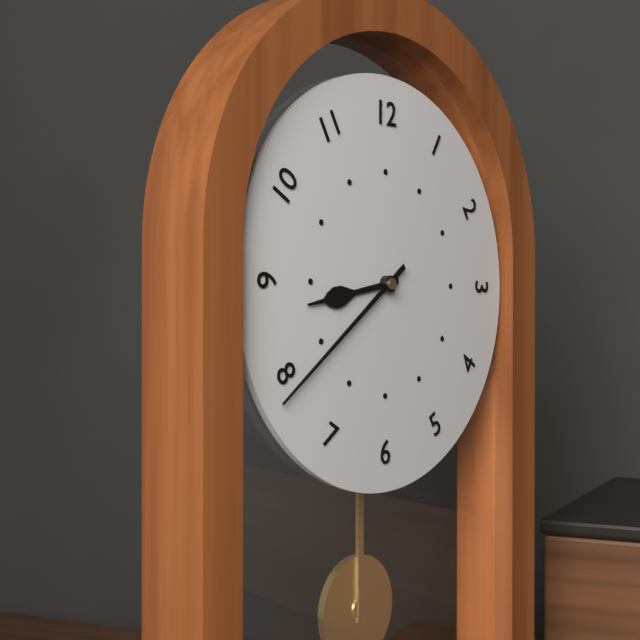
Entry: 8,39
